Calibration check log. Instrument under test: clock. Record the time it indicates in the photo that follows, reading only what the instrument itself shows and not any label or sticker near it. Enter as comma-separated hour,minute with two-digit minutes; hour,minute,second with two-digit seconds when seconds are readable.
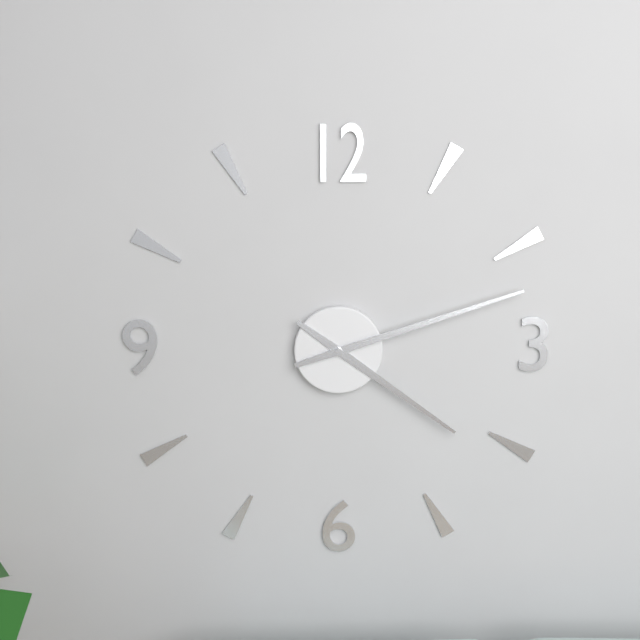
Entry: 4,12
